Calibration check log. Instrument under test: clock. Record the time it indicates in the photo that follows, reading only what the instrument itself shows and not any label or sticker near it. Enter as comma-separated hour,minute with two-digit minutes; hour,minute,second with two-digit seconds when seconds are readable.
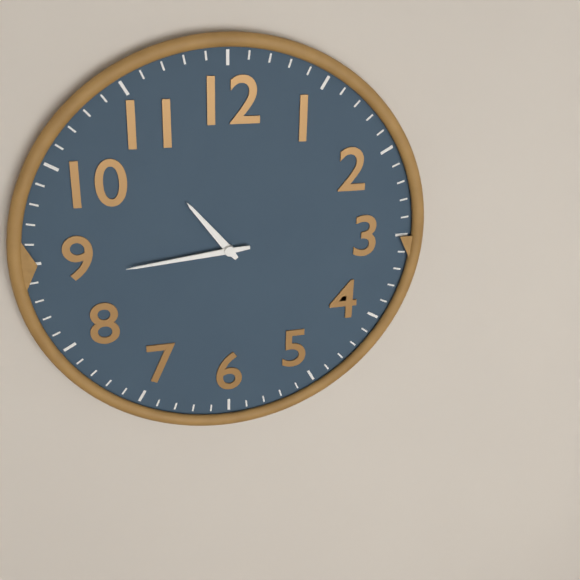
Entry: 10,44
